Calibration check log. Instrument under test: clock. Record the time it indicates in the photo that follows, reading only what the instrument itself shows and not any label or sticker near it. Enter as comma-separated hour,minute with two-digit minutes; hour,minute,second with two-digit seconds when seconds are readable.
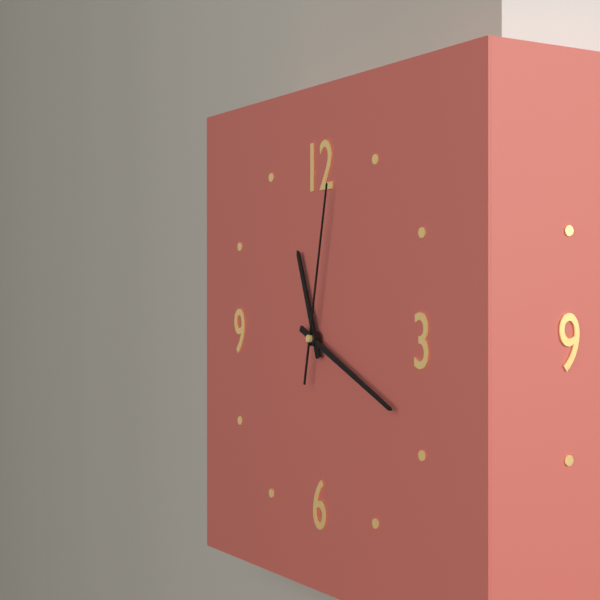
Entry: 11,19,02
